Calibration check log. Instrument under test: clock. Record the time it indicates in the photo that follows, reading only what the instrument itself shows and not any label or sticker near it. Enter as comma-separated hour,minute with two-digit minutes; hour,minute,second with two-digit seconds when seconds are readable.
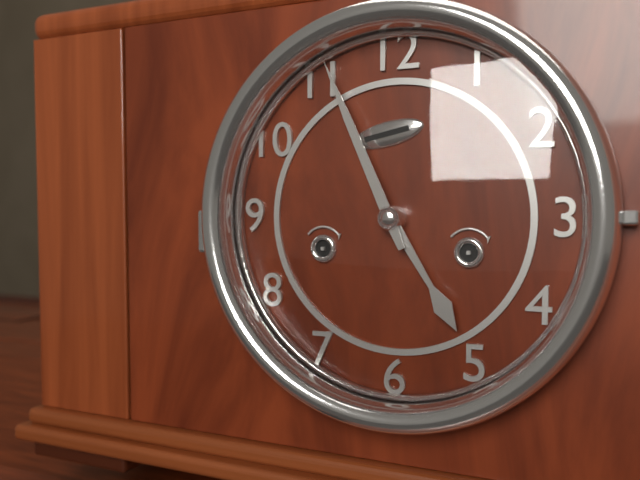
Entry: 4,56
